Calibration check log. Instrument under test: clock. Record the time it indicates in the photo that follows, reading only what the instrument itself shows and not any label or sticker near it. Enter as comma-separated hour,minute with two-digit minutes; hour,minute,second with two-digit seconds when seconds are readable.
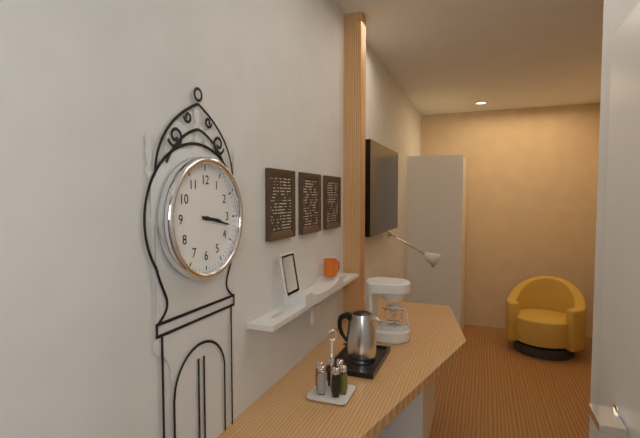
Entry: 3,17
